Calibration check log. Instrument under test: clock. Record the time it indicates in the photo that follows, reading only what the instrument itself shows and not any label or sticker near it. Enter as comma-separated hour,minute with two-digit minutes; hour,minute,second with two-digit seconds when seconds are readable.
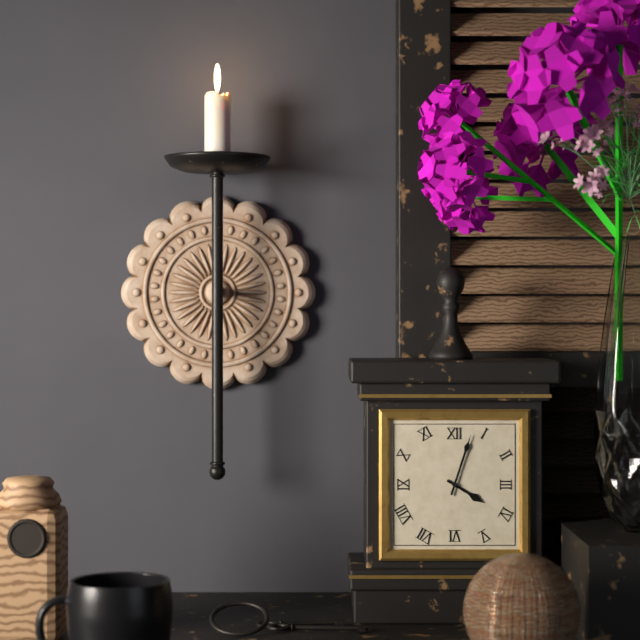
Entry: 4,03
